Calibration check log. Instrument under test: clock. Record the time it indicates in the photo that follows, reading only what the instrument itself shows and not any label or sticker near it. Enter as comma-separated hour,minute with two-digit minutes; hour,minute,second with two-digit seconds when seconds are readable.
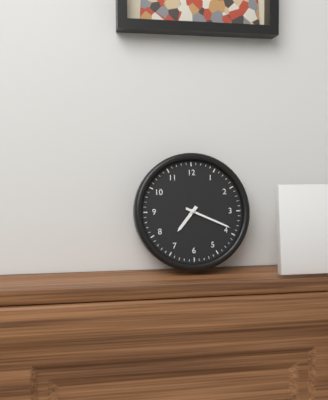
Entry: 7,19
